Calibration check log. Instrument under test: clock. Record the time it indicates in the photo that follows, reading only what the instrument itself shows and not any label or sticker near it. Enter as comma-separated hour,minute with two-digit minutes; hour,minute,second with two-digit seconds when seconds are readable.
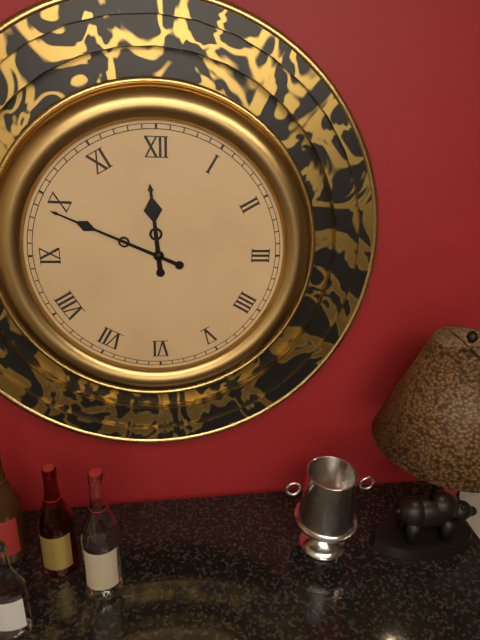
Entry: 11,49
